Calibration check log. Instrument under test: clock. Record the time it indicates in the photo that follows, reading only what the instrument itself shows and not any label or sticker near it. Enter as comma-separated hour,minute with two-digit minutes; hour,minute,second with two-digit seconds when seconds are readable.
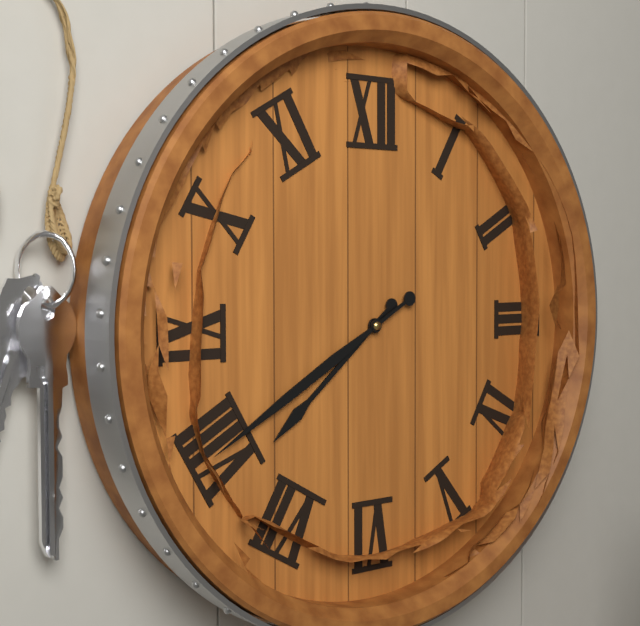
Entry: 7,40
